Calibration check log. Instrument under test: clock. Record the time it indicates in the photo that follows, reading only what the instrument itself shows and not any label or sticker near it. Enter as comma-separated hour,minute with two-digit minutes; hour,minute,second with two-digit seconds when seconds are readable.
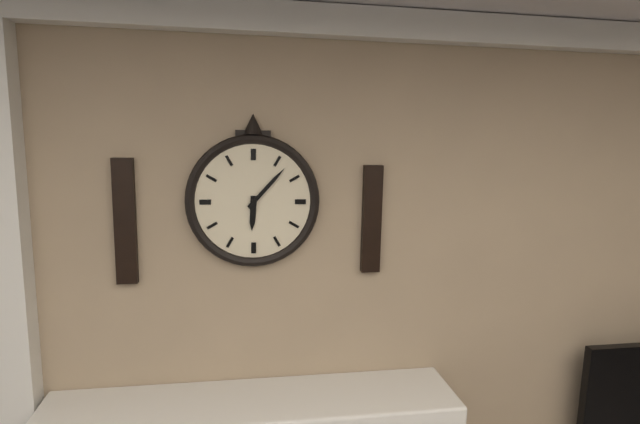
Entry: 6,07
